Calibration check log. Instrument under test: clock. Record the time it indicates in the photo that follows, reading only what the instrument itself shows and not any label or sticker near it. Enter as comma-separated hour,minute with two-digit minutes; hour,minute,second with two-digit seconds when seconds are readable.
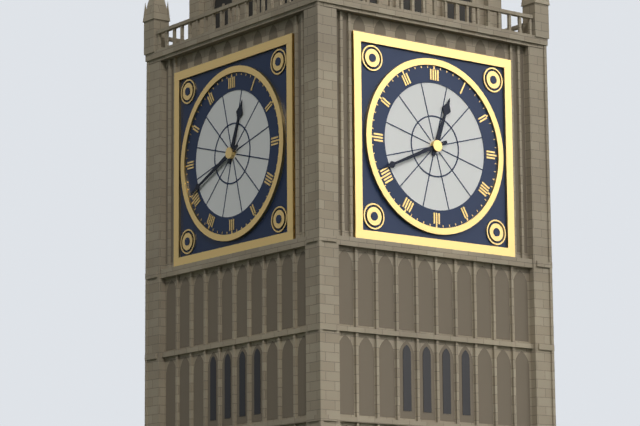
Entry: 12,41
